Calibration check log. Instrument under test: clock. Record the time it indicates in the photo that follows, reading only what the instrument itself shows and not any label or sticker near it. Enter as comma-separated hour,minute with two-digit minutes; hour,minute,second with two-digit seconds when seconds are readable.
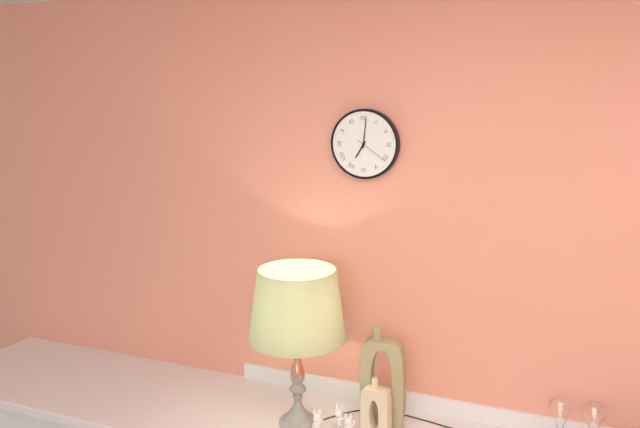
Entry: 7,01
